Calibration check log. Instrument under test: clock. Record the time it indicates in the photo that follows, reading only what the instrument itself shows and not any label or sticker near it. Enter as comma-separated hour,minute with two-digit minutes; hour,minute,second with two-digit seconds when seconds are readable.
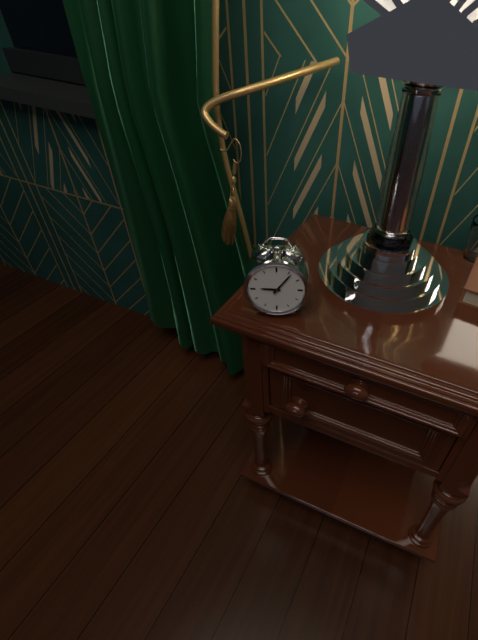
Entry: 9,06
